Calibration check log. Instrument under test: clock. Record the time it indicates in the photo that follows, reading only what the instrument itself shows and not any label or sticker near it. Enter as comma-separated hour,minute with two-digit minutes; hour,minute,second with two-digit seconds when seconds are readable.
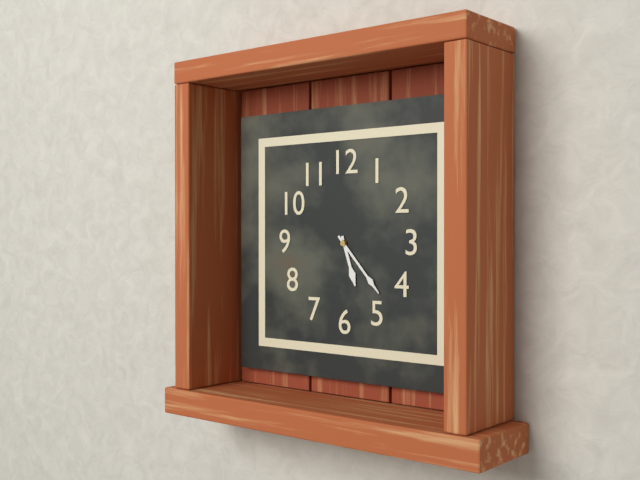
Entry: 5,23
